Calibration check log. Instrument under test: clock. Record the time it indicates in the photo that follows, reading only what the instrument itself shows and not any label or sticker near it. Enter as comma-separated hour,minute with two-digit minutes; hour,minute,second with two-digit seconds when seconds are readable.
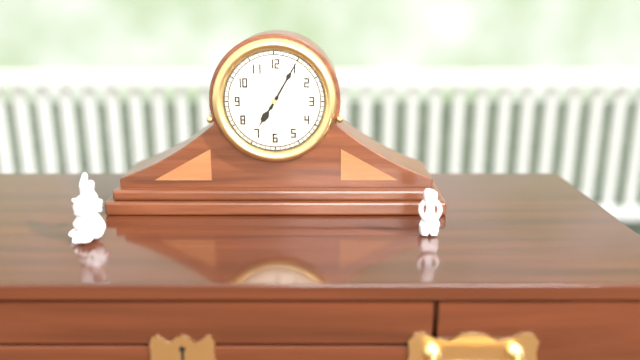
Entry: 7,05
